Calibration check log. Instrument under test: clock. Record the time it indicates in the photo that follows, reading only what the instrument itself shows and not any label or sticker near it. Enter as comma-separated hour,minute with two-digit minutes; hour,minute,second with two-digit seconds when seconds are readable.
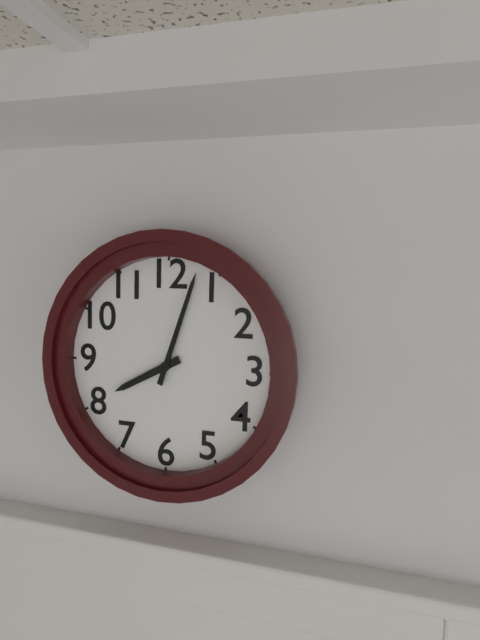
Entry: 8,03
